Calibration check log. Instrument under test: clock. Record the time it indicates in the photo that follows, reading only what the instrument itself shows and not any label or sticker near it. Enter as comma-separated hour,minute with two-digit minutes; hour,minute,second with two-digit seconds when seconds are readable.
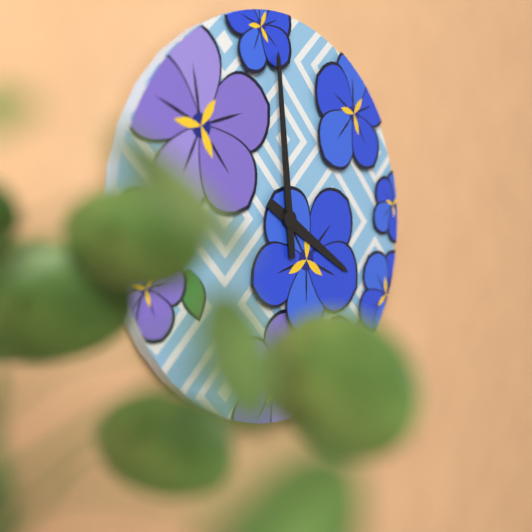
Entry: 3,59
